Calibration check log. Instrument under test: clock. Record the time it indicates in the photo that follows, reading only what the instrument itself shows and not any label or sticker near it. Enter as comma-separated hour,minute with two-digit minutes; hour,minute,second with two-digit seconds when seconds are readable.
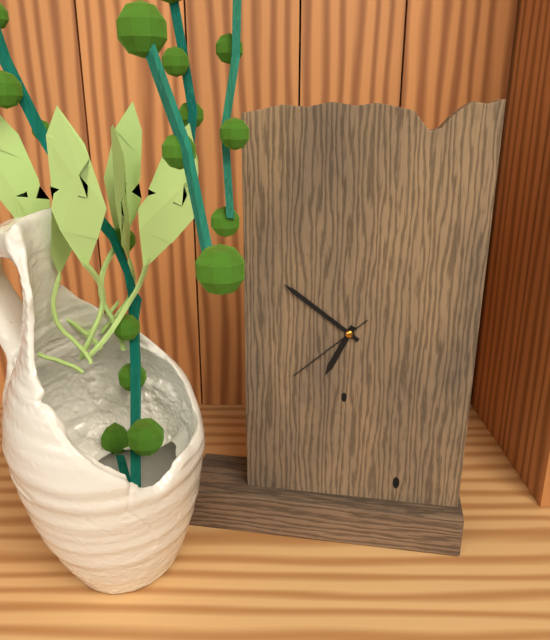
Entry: 6,51,38
